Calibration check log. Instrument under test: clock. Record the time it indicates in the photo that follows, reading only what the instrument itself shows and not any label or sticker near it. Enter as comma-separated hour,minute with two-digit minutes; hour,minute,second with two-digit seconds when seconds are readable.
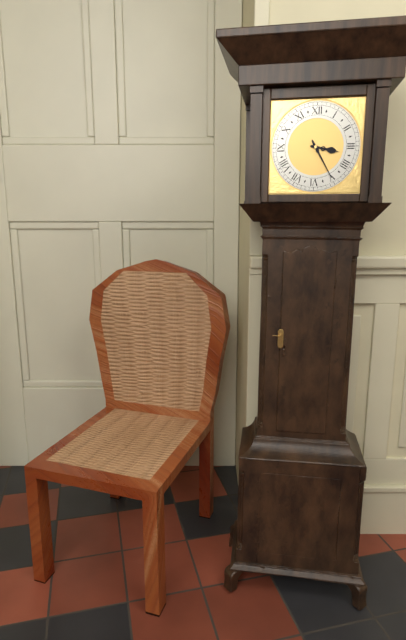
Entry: 3,25
